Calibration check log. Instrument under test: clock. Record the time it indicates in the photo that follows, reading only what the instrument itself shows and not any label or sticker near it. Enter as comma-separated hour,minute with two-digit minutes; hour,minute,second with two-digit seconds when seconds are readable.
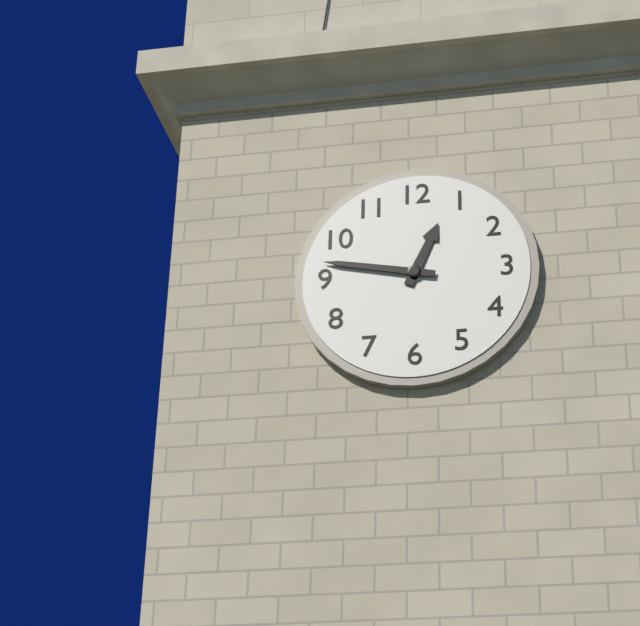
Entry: 12,47
